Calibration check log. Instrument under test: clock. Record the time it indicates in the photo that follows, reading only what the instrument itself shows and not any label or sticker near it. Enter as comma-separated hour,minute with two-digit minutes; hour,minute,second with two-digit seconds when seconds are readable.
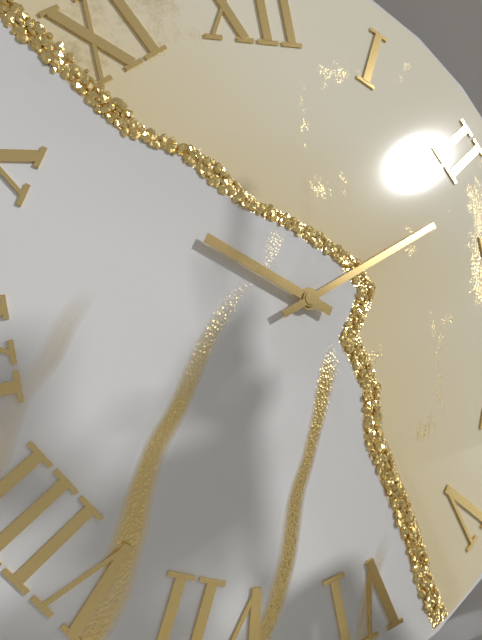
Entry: 10,12
